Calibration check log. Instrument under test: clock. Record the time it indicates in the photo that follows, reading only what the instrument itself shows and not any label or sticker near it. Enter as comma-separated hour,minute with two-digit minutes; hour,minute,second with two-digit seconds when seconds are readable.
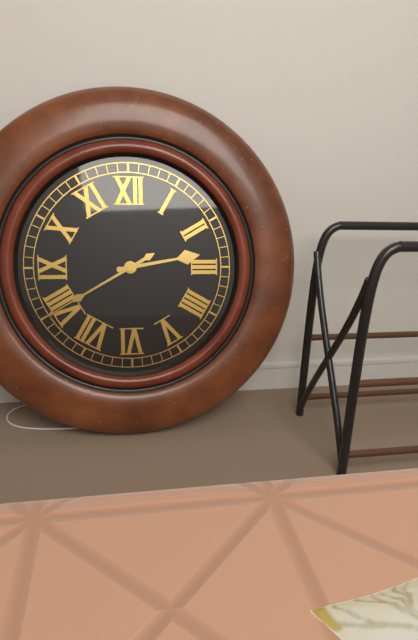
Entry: 2,40
